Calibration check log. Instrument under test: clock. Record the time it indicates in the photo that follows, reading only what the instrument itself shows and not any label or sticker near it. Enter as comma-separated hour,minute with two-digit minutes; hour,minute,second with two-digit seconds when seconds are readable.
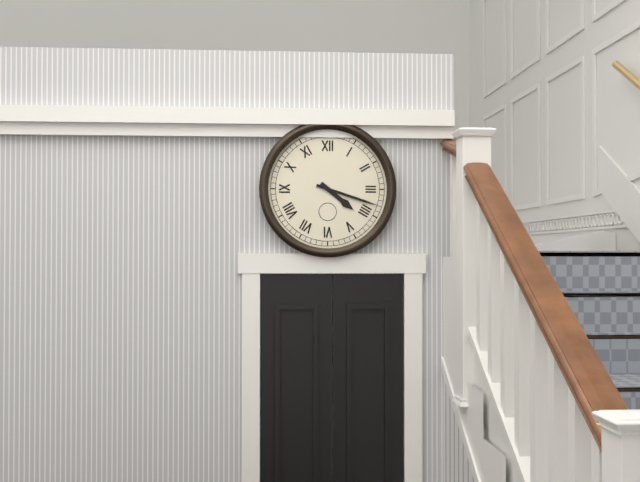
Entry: 4,18
